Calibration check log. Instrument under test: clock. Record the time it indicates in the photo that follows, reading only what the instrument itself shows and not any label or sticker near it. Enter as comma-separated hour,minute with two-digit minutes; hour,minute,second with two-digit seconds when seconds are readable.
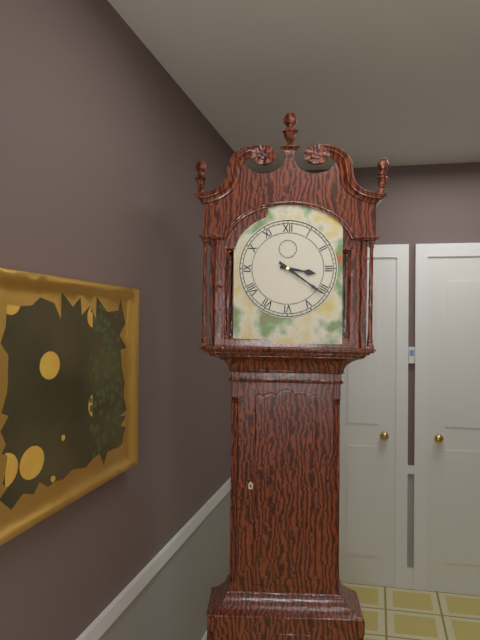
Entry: 3,21
